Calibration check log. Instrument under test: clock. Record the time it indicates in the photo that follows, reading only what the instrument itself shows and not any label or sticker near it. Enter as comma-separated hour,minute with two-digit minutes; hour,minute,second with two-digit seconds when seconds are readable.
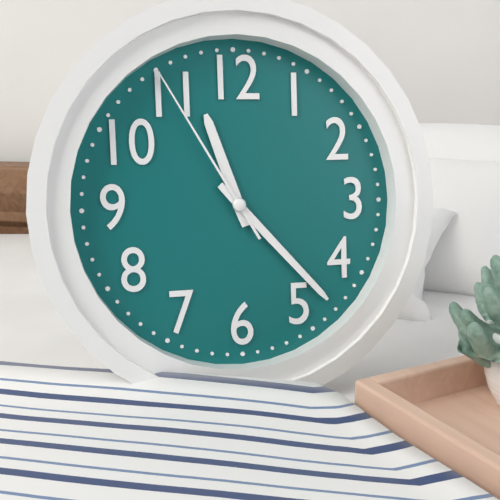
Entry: 11,23,55
